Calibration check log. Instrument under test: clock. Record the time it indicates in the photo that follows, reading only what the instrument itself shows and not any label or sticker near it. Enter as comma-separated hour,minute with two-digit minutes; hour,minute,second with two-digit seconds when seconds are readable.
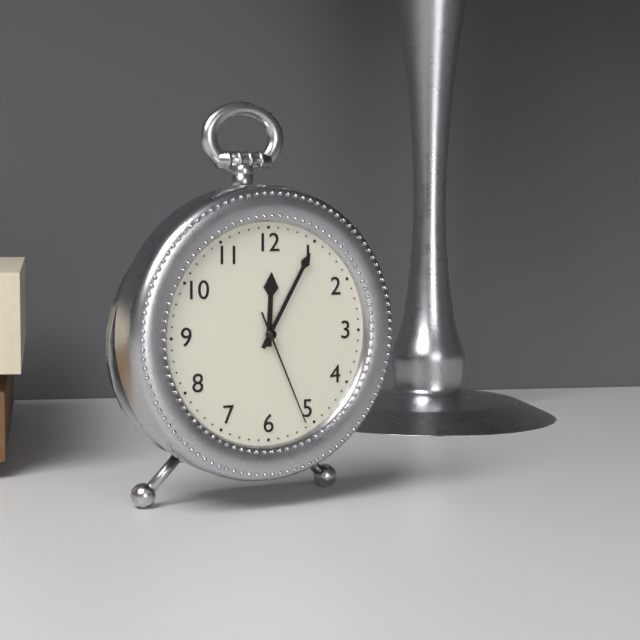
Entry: 12,05,26
